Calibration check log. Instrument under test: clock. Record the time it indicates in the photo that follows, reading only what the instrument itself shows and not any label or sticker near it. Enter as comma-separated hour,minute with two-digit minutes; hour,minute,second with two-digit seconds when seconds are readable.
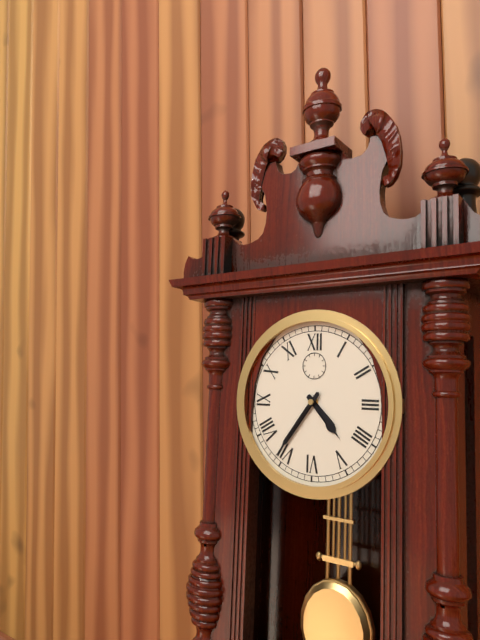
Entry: 4,36
